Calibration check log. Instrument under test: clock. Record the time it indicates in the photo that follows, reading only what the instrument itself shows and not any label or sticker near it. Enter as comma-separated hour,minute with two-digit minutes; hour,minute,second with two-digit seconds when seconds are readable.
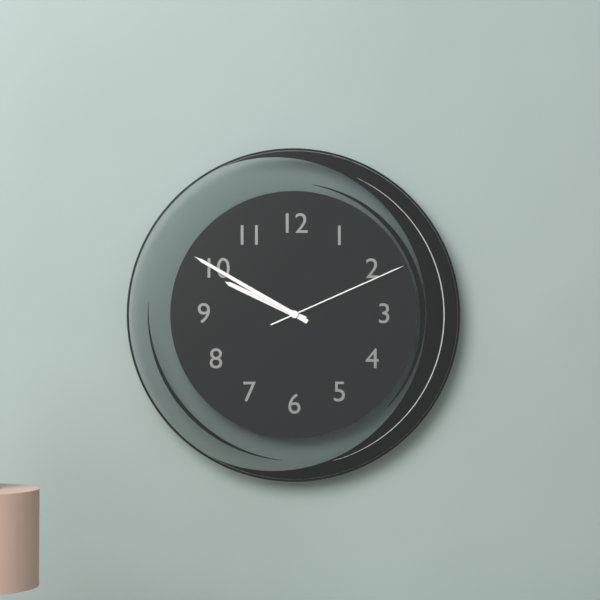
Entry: 9,50,11
